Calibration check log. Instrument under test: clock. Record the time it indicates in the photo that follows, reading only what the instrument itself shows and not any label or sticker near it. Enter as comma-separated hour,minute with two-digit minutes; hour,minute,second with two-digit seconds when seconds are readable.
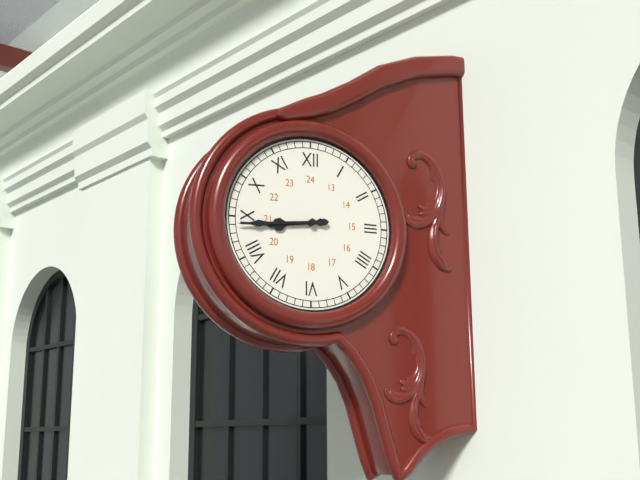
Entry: 8,44
